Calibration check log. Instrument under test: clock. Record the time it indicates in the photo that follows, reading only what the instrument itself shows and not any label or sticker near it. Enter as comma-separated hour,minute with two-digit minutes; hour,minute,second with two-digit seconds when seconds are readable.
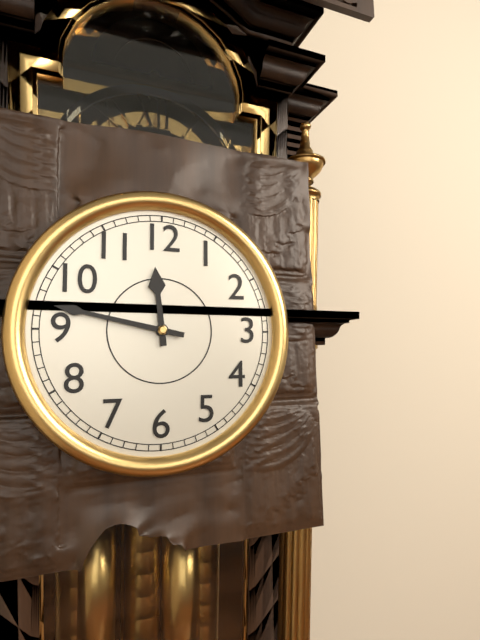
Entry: 11,47
